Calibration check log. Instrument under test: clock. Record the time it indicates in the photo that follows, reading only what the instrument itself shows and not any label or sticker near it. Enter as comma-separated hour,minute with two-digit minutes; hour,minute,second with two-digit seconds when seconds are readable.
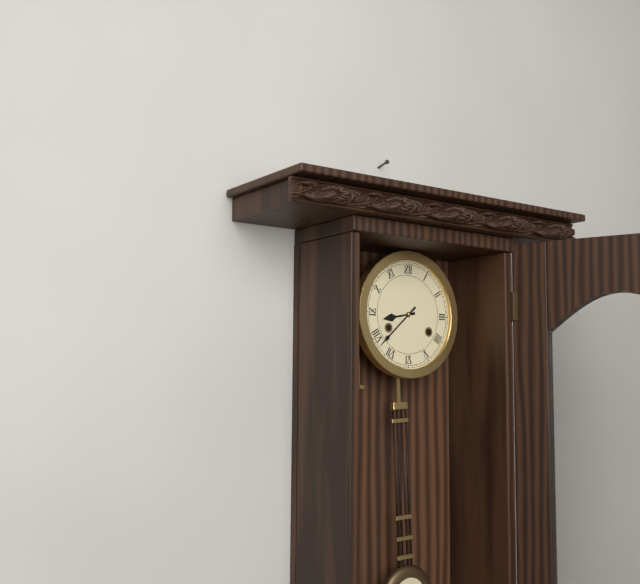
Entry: 8,38
